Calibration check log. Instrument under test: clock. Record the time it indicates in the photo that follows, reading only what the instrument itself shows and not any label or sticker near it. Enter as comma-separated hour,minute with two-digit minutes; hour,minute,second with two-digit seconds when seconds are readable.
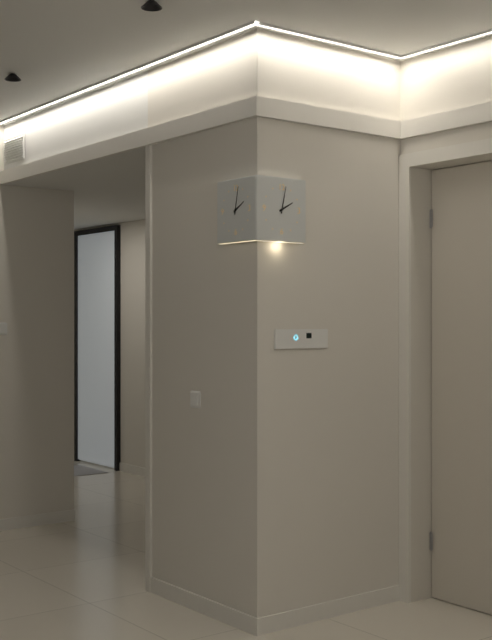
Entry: 2,02
